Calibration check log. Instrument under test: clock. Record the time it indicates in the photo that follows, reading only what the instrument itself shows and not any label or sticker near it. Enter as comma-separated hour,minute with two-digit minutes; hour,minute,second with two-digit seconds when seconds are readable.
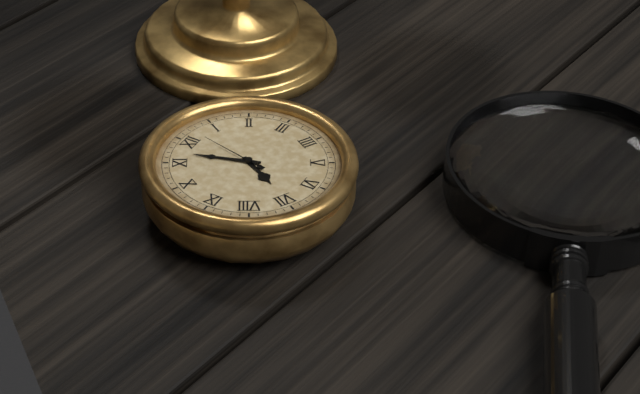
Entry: 6,57,02
